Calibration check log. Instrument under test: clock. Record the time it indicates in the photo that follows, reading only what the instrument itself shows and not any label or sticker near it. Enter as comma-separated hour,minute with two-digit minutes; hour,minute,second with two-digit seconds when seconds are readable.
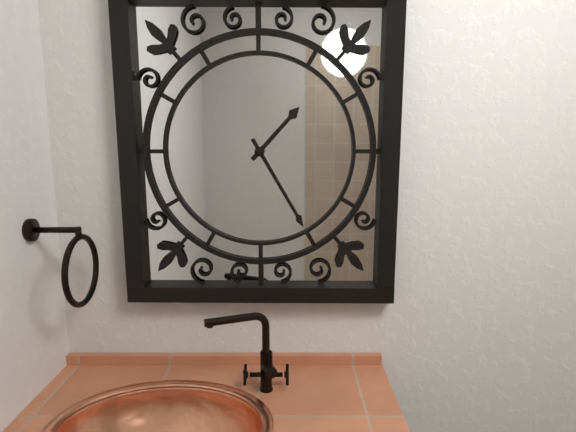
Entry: 1,25
